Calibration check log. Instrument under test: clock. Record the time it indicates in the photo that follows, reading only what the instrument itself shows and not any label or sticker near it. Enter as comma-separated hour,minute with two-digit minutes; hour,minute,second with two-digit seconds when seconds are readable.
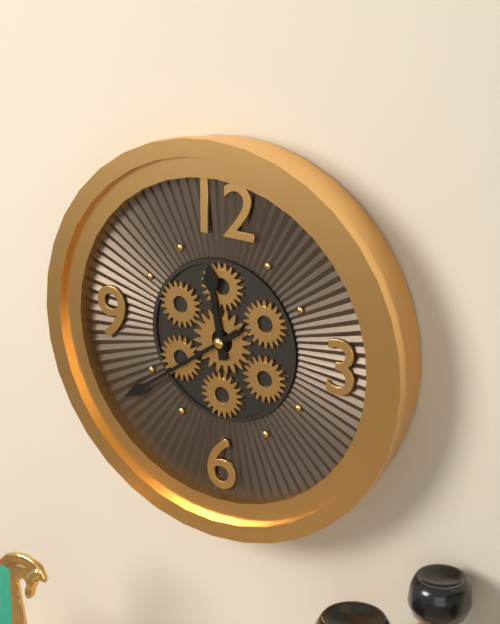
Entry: 11,39
